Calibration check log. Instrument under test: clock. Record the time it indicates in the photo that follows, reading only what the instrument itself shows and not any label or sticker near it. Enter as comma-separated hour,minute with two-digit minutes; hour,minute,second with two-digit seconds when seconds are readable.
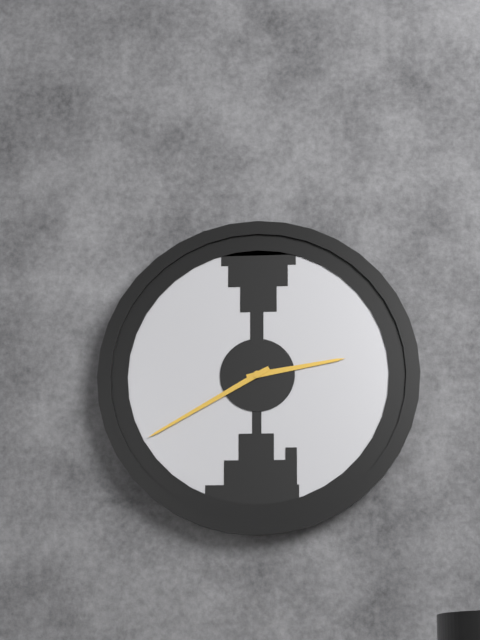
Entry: 2,40
